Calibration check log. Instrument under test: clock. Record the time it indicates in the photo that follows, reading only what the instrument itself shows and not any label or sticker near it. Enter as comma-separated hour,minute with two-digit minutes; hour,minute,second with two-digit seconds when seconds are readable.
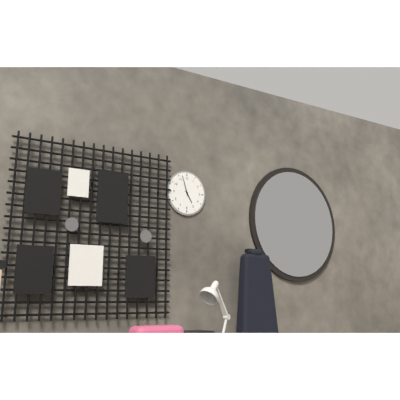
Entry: 4,57
